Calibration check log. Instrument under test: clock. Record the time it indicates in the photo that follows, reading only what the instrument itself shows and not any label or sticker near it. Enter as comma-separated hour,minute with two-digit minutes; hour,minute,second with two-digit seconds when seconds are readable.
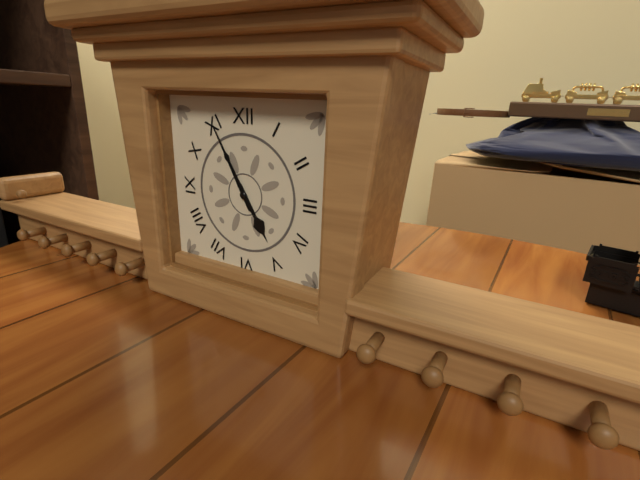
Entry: 4,55
